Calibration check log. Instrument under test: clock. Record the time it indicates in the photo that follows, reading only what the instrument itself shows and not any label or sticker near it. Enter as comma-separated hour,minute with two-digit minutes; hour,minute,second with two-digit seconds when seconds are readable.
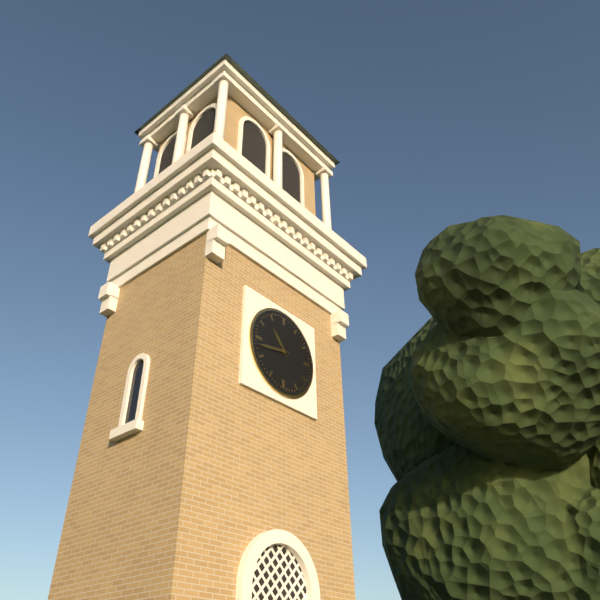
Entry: 10,43
